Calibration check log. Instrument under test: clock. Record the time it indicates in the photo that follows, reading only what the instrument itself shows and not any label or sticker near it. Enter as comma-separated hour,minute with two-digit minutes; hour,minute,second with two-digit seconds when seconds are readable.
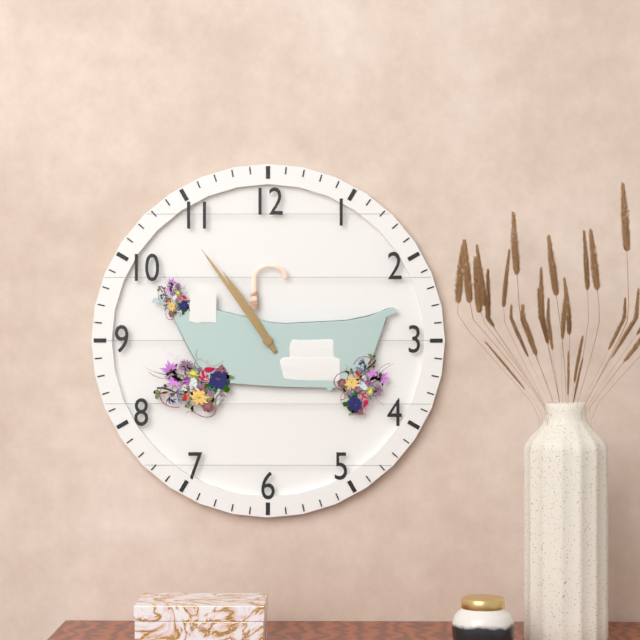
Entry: 10,54
